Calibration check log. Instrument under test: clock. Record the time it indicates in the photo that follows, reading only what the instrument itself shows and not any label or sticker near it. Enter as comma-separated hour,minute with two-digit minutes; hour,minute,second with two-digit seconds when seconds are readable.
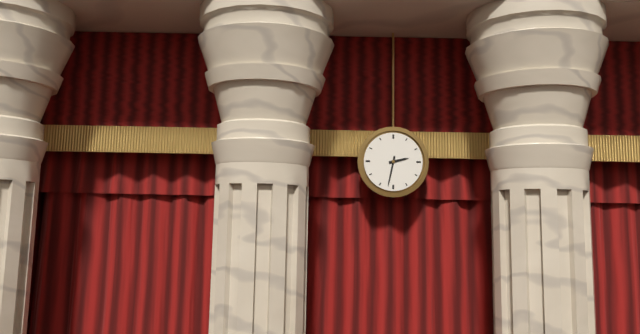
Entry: 2,32
